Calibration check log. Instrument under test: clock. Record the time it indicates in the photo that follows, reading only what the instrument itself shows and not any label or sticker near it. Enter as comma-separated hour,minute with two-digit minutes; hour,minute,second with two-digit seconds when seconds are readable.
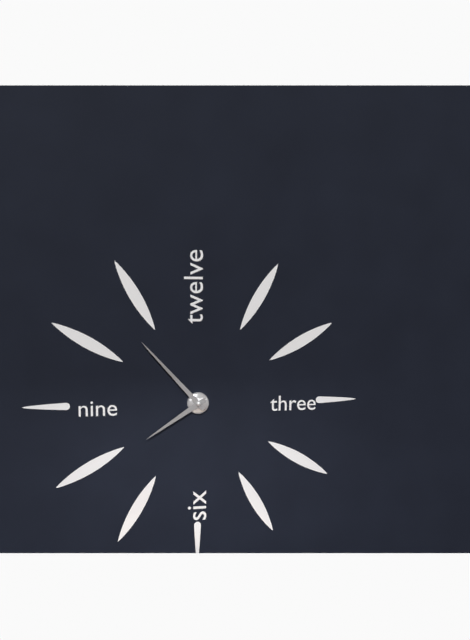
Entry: 7,53
